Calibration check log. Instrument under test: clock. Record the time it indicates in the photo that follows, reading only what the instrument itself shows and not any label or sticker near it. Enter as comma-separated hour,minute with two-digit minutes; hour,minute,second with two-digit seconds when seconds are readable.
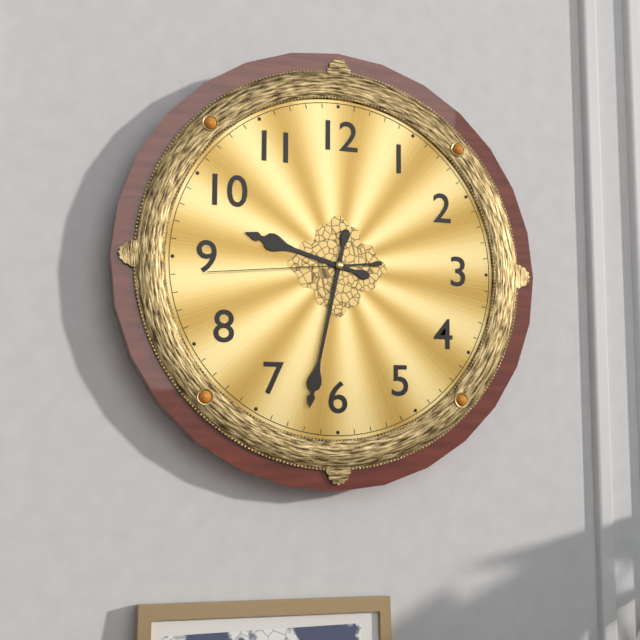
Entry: 9,32,44
